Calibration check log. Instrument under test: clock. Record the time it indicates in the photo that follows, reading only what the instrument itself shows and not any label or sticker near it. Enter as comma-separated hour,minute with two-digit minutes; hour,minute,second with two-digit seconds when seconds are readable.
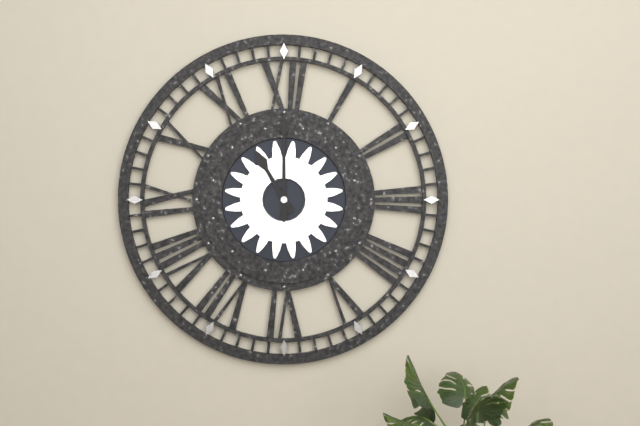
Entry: 11,00
